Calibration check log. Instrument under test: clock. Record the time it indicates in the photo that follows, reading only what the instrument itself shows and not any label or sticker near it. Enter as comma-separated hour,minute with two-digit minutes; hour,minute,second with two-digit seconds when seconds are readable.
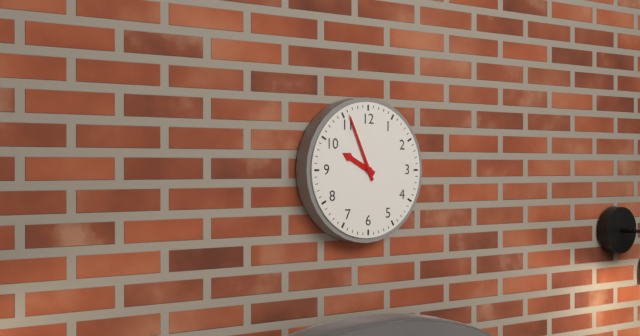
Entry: 9,56
